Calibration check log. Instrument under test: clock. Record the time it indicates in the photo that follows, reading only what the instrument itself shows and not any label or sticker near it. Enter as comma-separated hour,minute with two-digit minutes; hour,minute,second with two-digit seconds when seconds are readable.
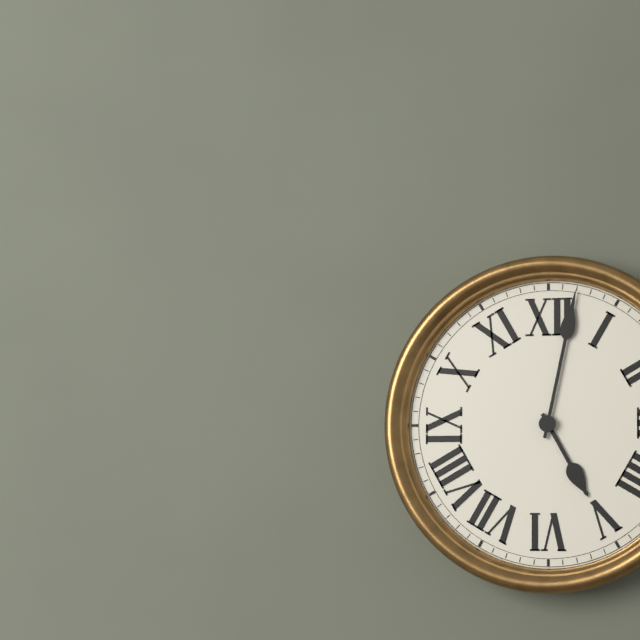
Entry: 5,02
